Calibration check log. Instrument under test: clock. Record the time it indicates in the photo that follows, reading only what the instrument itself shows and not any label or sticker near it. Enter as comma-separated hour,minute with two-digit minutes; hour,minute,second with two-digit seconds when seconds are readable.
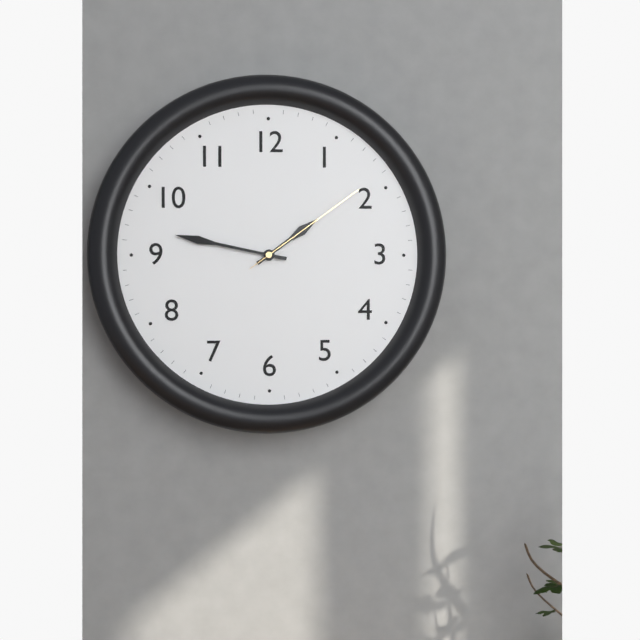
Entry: 1,47,09
